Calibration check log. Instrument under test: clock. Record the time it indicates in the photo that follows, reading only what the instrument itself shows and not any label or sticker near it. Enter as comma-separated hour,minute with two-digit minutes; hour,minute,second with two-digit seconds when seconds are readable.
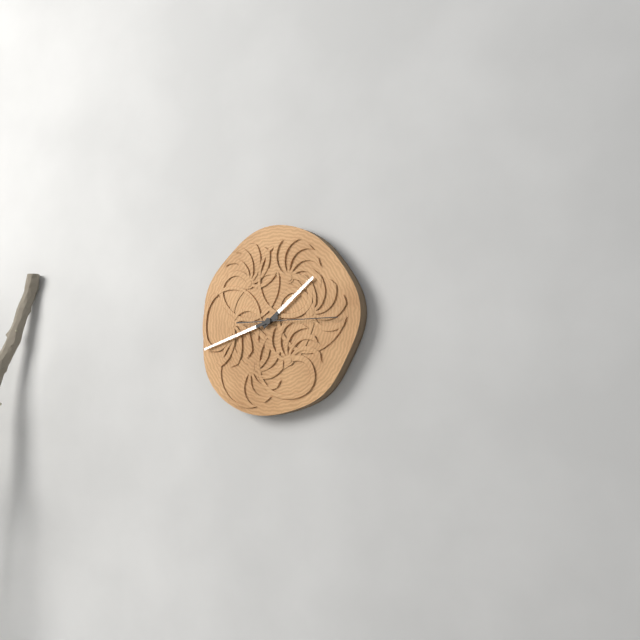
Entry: 1,42,15
